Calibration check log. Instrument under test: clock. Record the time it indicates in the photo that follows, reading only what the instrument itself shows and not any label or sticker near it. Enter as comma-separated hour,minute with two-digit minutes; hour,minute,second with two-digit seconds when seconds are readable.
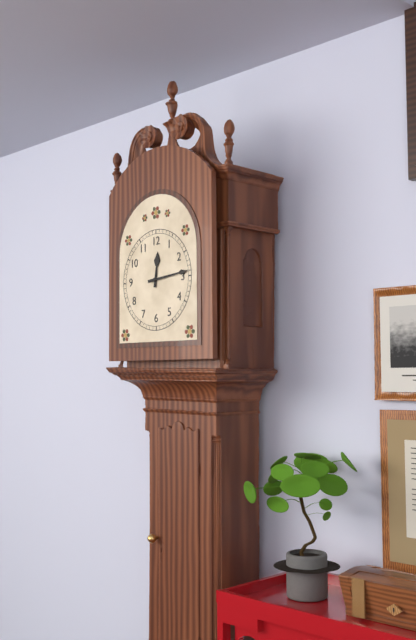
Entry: 12,14
